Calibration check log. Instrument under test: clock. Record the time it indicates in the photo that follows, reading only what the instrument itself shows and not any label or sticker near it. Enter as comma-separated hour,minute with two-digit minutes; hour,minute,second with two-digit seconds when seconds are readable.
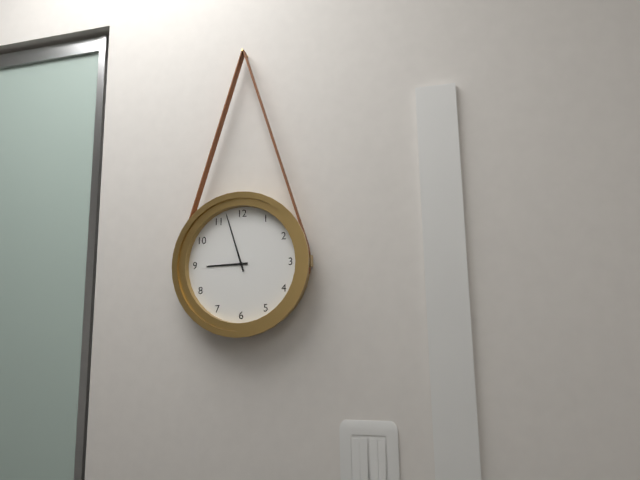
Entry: 8,57
